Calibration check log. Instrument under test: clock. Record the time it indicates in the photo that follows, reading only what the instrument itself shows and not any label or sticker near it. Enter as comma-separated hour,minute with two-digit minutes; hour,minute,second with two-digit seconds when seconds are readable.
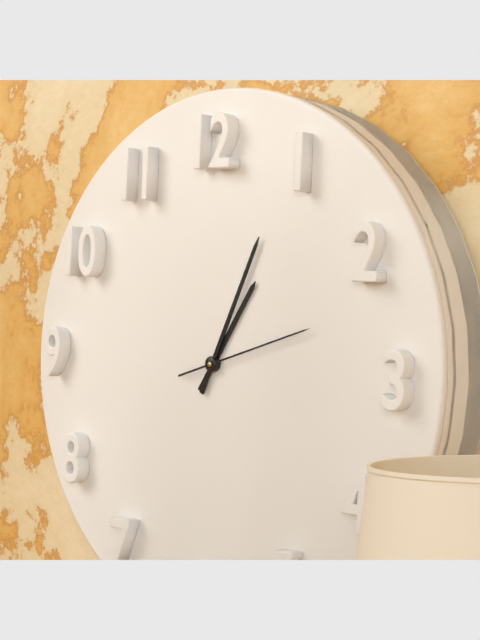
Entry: 1,04,12
